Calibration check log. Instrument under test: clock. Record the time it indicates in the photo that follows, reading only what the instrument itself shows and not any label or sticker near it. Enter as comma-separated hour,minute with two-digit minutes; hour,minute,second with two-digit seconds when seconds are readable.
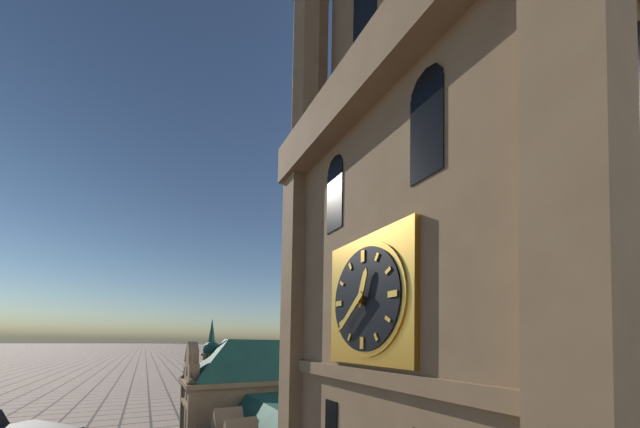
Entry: 12,38
